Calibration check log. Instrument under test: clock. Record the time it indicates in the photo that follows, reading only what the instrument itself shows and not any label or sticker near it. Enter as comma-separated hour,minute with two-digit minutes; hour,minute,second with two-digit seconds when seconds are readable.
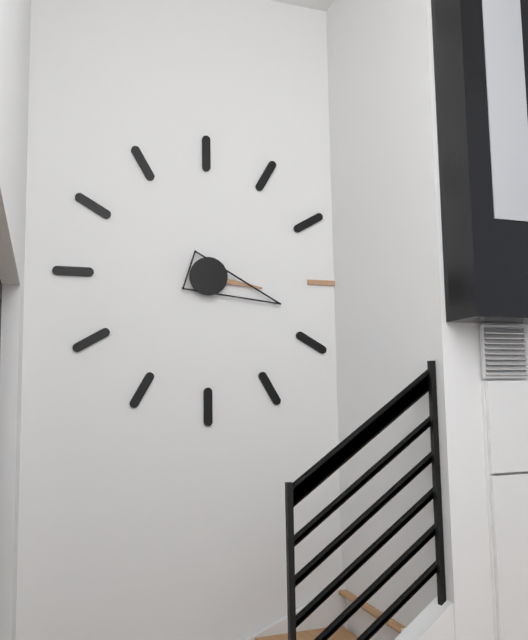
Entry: 3,18
